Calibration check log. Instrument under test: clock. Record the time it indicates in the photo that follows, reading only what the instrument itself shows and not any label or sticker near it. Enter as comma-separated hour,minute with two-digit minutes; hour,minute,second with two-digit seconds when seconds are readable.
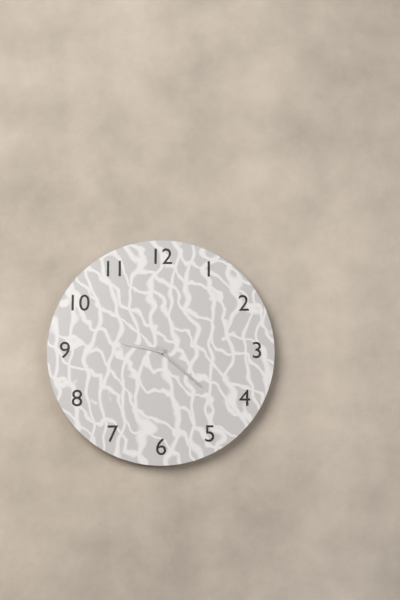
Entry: 9,22
